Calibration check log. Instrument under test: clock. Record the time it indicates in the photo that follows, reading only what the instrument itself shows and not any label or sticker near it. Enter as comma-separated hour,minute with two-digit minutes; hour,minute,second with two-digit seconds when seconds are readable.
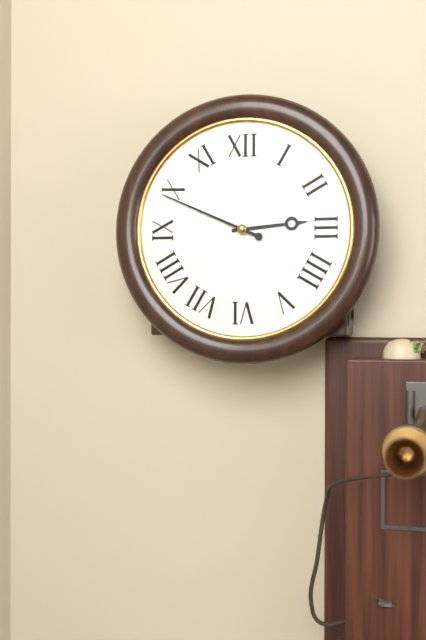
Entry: 2,49
